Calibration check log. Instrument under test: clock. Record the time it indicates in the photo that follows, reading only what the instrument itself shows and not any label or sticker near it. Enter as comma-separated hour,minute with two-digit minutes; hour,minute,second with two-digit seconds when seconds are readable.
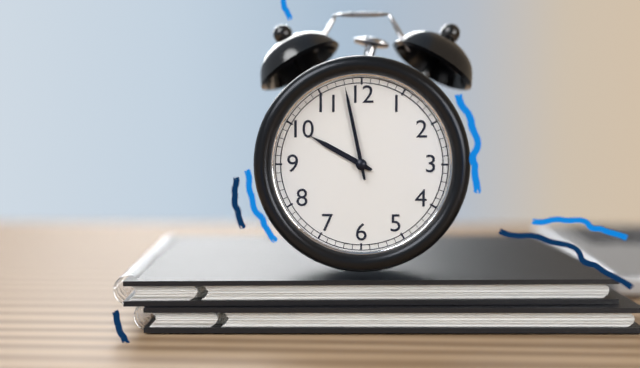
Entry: 9,58
